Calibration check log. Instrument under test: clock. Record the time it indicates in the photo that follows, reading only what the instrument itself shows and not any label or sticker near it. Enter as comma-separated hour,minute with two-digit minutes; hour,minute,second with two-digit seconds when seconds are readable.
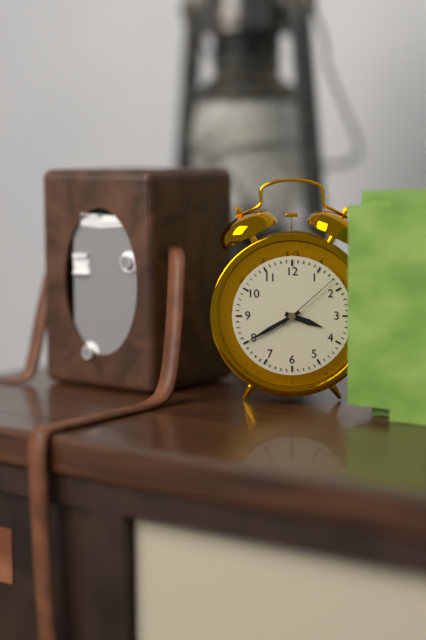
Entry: 3,40,08
